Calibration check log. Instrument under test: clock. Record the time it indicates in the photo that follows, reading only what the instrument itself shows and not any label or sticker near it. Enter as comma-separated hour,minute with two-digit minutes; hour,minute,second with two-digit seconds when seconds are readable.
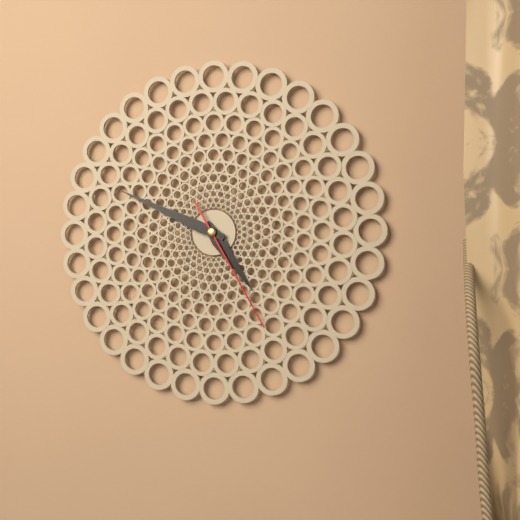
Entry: 4,49,25
